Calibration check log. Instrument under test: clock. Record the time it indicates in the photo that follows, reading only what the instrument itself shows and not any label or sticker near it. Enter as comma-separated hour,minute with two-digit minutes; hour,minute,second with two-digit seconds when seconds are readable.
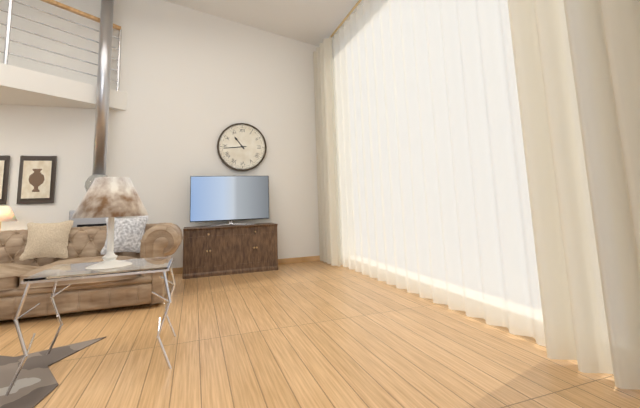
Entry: 10,44
